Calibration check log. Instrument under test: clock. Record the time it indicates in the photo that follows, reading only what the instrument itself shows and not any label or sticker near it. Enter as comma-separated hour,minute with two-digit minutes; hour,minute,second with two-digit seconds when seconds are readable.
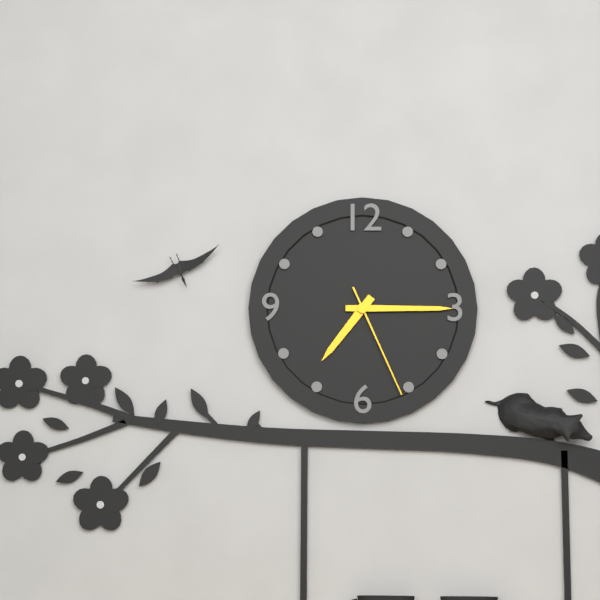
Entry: 7,15,26
